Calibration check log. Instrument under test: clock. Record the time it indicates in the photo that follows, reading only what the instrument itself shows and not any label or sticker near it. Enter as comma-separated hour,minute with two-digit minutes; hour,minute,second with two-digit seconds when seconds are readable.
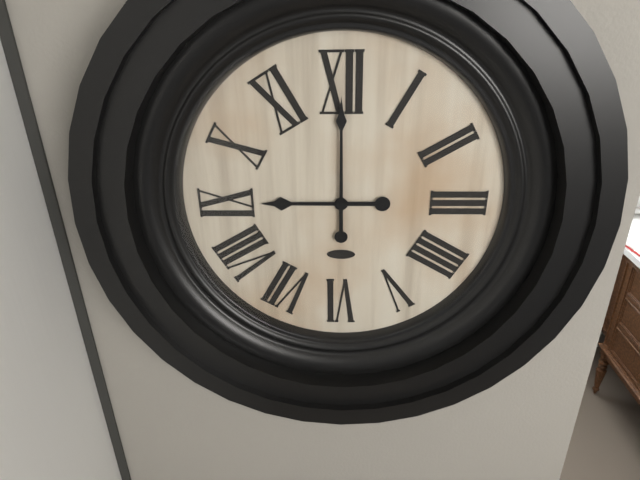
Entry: 9,00
